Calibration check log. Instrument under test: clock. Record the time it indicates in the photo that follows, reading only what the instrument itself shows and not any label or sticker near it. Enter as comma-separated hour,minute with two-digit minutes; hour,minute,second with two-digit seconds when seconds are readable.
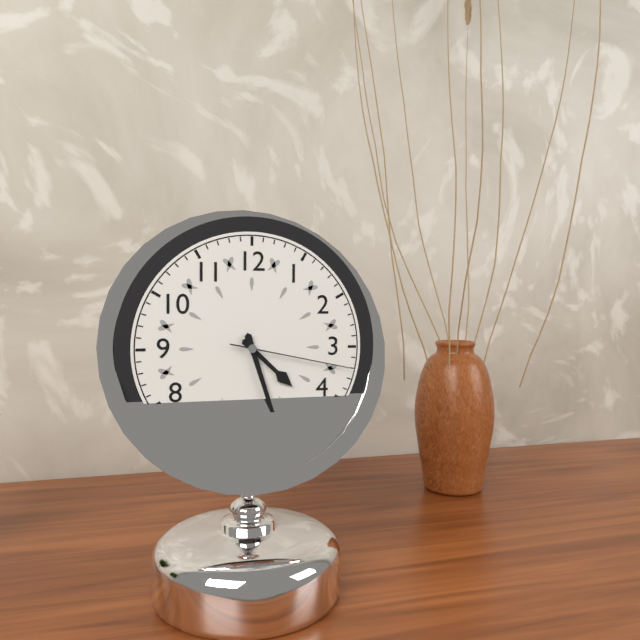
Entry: 4,27,17
